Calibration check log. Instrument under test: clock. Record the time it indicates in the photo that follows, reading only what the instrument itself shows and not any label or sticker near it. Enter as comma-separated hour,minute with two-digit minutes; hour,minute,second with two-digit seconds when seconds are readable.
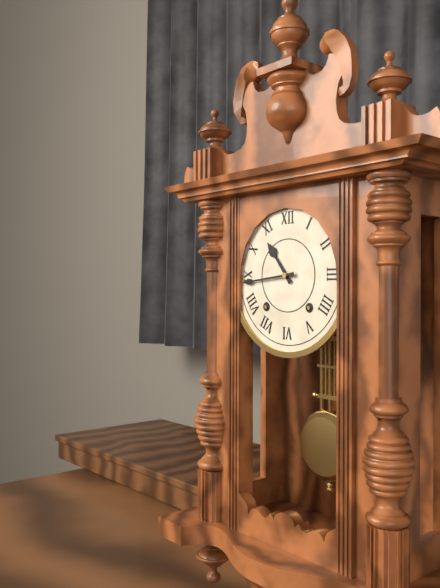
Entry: 10,44
